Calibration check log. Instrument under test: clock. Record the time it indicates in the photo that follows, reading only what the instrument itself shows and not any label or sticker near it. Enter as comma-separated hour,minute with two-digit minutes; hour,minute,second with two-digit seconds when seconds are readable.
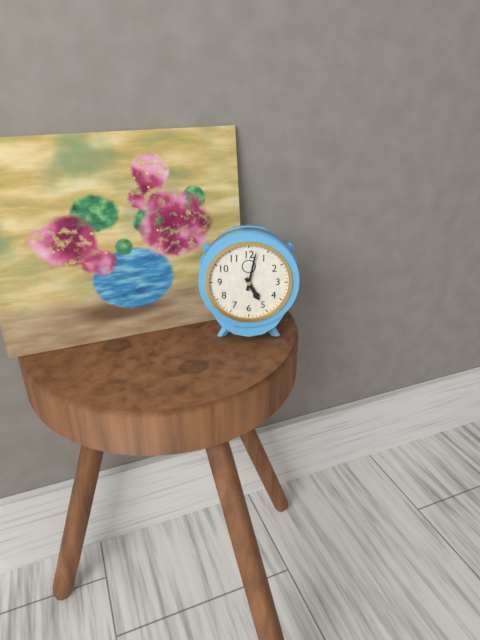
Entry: 5,02
